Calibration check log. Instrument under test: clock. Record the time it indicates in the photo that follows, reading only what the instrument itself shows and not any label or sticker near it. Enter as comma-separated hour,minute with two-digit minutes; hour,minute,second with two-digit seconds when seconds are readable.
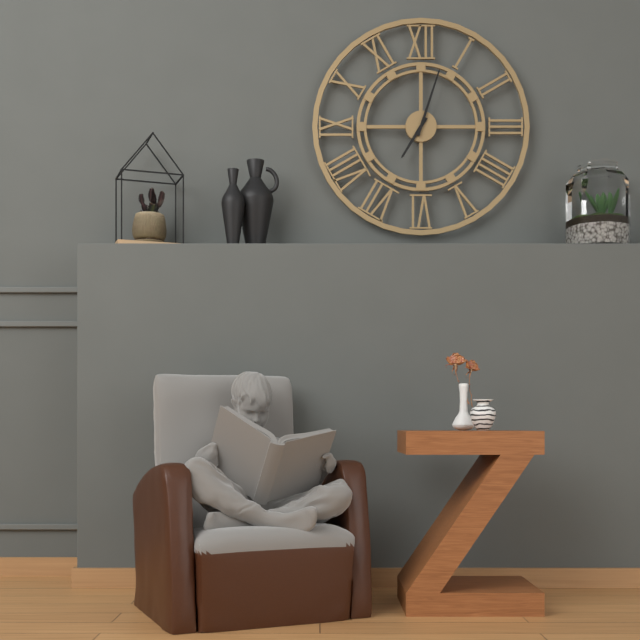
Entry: 7,03
